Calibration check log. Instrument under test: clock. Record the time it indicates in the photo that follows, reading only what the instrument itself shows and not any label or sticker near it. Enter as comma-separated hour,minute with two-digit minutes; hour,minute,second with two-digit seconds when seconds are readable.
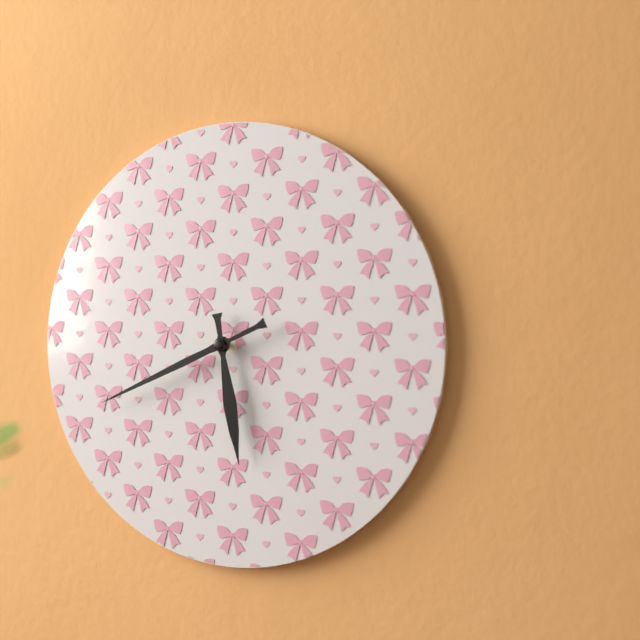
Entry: 5,41
